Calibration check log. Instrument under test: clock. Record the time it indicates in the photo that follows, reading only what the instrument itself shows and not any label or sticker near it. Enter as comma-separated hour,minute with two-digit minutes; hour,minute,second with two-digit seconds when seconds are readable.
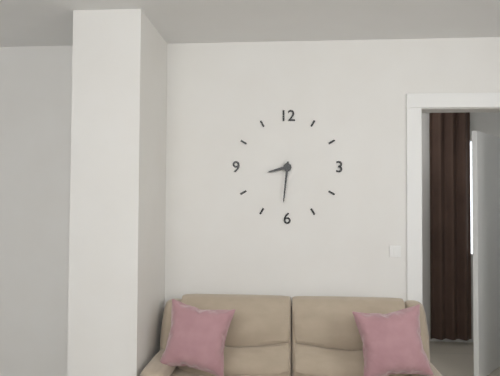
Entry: 8,31
